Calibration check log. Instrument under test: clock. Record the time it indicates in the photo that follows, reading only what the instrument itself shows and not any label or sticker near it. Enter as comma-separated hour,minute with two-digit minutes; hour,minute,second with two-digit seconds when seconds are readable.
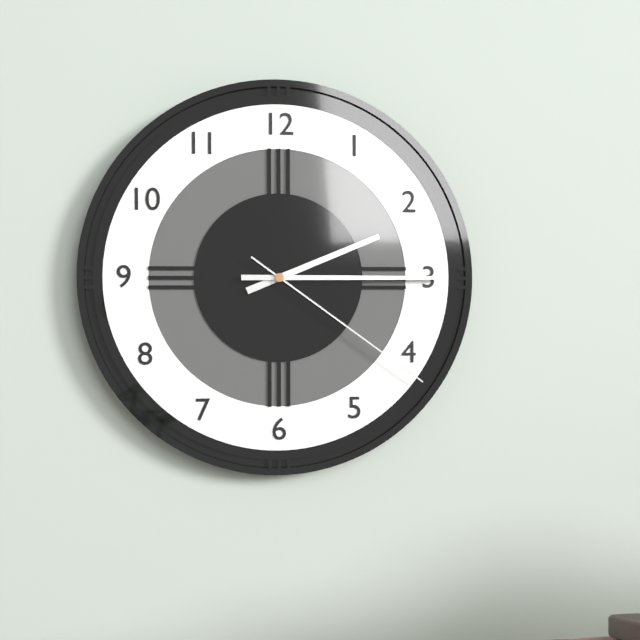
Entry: 2,15,21
